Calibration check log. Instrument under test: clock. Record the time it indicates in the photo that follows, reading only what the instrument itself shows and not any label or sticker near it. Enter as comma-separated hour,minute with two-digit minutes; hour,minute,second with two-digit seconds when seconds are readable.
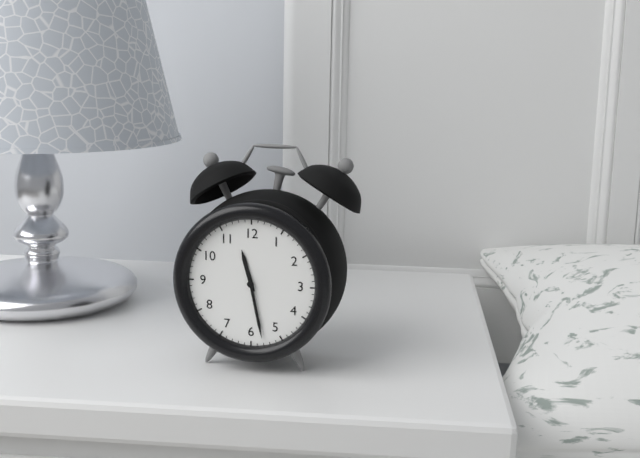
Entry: 11,28
